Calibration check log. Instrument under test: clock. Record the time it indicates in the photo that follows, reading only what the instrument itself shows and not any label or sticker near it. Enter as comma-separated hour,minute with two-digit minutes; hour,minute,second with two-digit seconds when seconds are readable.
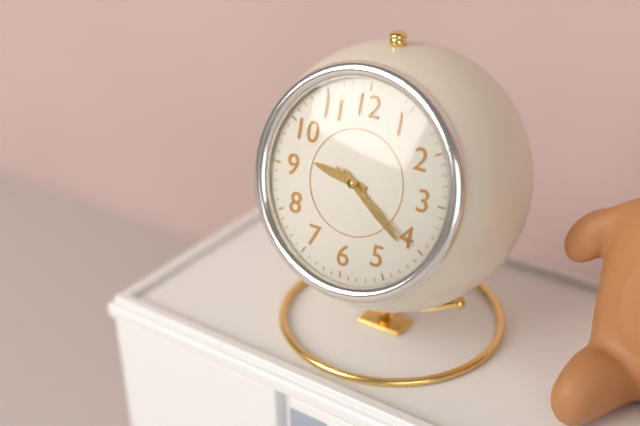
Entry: 9,21,20
